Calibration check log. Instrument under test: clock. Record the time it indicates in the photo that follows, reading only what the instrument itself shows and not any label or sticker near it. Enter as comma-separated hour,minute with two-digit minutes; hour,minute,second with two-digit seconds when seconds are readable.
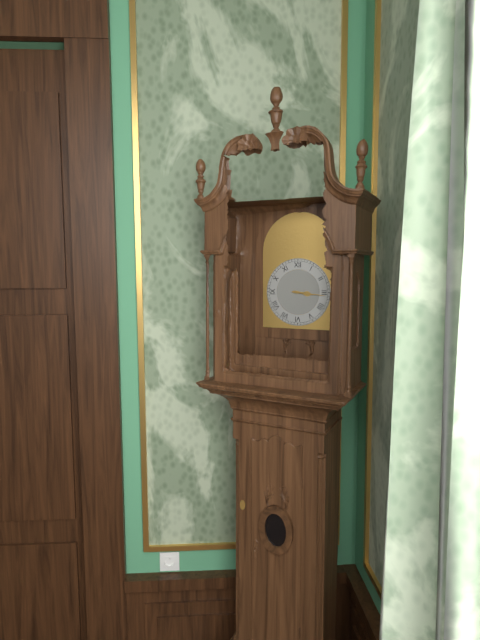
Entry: 3,16
